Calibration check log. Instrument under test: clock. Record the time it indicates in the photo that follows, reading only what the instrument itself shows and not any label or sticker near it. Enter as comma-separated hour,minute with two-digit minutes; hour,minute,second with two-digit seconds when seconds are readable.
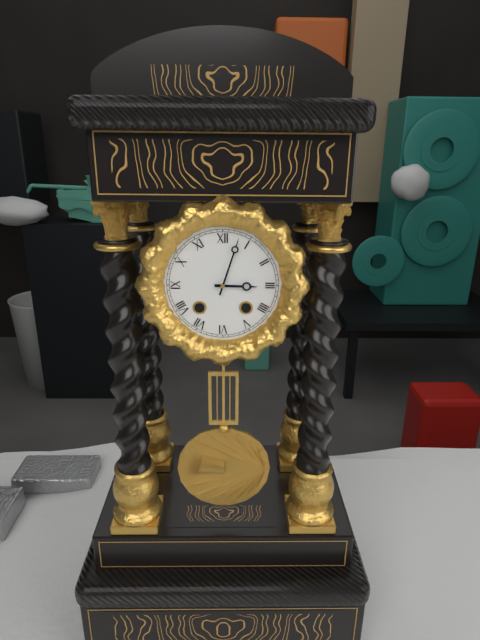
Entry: 3,03
